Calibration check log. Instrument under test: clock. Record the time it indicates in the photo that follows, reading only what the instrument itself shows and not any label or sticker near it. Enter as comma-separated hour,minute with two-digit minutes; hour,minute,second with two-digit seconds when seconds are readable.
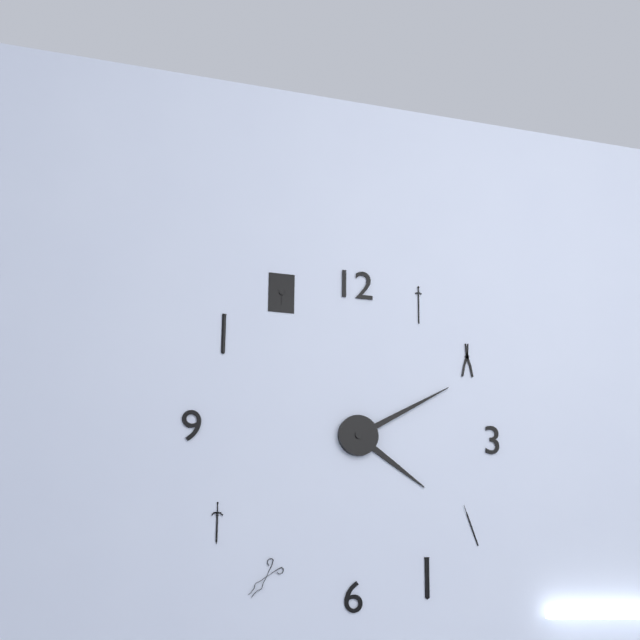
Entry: 4,10
